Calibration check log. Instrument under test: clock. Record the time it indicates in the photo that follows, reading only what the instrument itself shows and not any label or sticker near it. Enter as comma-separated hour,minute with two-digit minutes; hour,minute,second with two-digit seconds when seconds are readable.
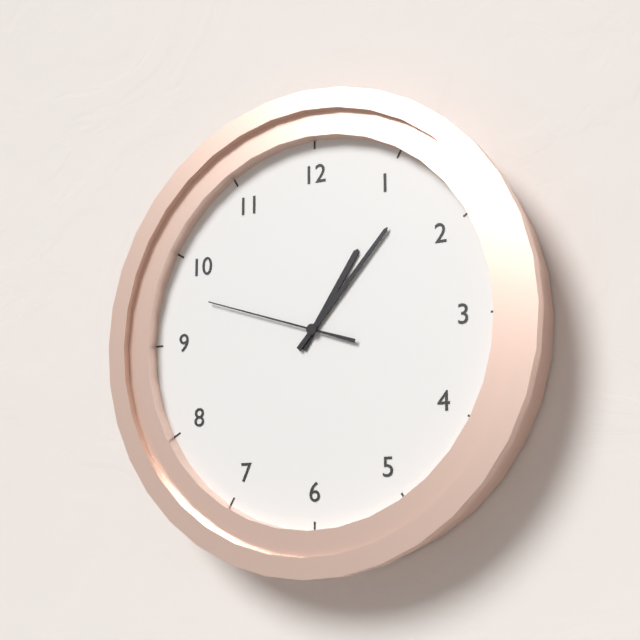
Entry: 1,07,48
